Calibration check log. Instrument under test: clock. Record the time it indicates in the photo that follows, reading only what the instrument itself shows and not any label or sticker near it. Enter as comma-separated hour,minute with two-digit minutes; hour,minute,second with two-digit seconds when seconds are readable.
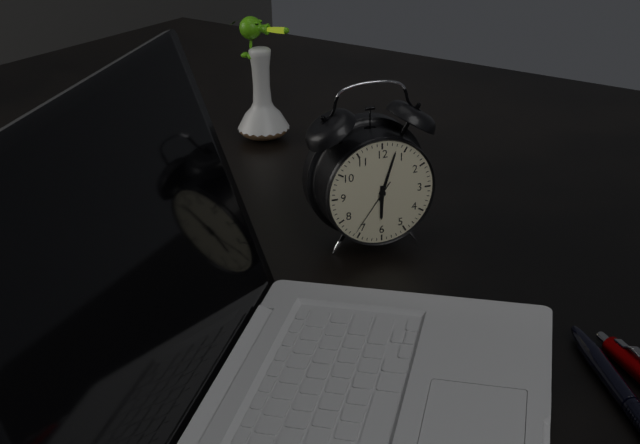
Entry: 6,03,36
